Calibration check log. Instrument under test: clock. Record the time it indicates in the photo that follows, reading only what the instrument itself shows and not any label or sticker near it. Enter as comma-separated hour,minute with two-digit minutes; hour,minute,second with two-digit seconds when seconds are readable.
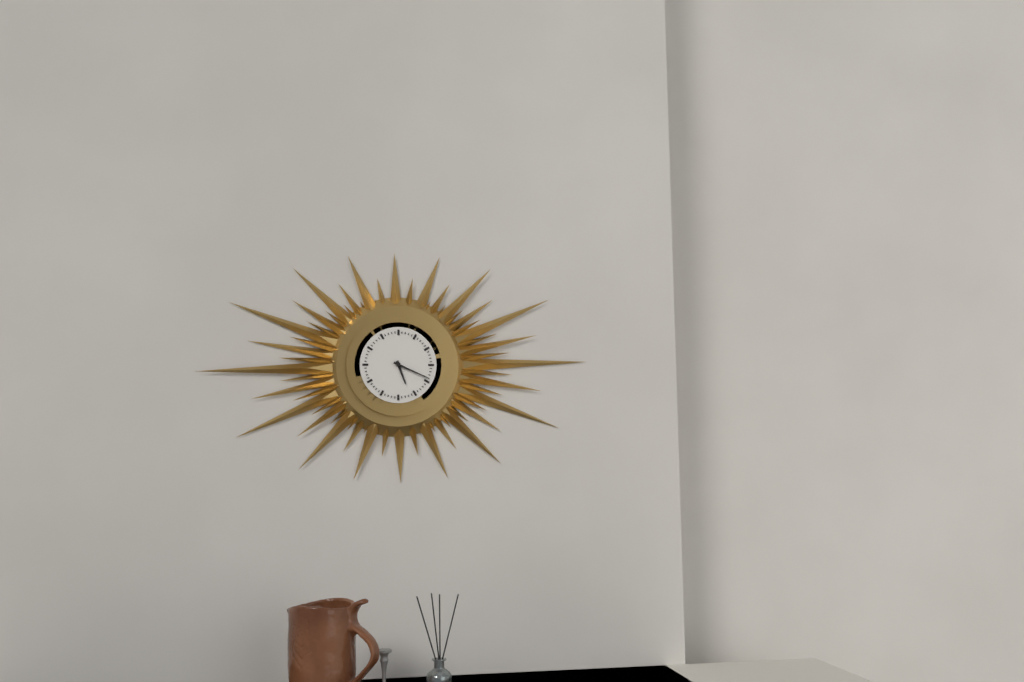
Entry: 5,19
